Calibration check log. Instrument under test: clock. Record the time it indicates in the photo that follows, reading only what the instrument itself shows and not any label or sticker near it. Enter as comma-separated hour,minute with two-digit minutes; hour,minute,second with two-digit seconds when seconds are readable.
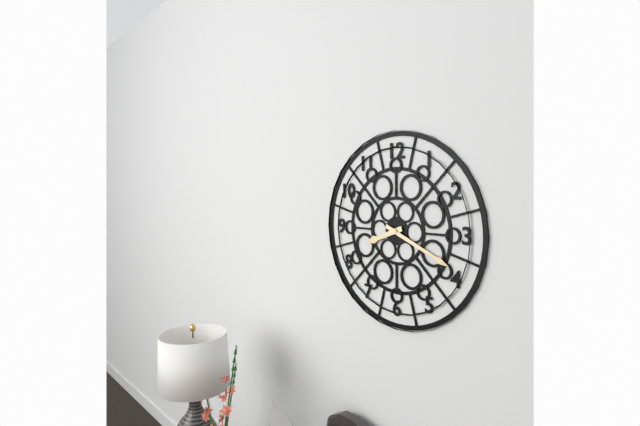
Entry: 8,19
